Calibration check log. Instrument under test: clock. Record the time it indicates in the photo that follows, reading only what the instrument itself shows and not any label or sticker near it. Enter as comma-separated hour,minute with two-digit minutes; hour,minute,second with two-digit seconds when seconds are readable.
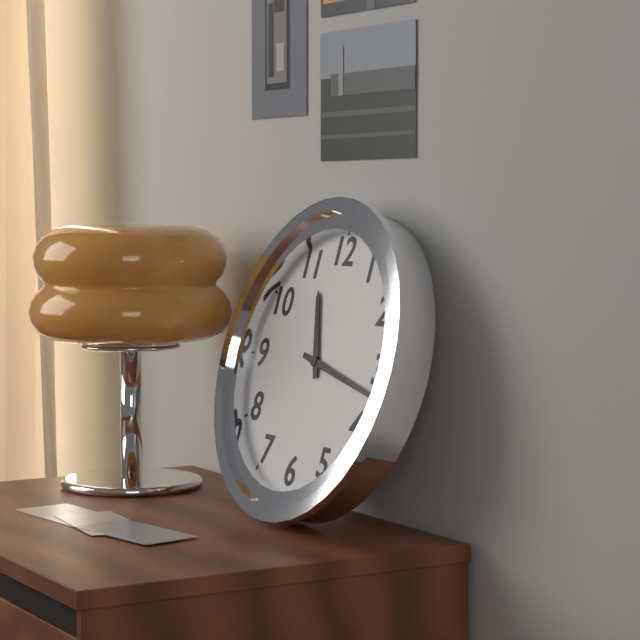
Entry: 11,17
